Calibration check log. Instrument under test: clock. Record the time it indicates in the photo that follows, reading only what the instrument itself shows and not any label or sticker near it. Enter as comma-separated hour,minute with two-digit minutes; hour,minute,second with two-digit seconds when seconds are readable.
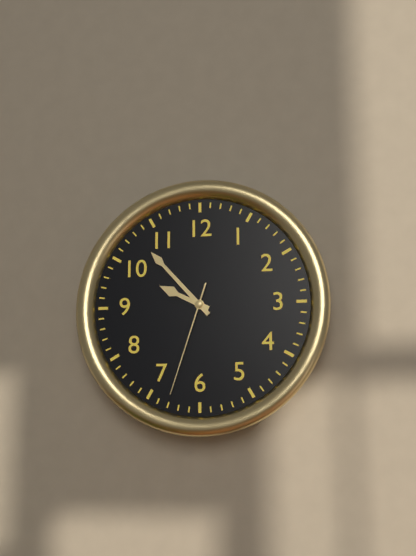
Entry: 9,53,33
